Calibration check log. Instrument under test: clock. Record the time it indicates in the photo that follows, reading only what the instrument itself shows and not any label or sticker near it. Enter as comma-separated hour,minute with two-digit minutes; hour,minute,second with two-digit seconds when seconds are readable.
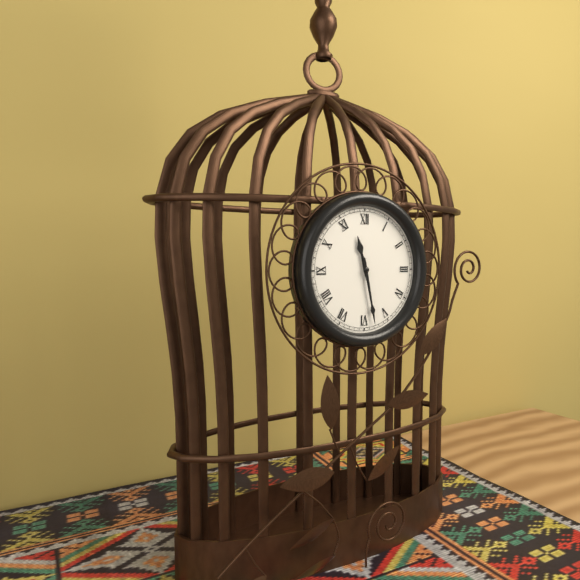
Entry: 11,28
